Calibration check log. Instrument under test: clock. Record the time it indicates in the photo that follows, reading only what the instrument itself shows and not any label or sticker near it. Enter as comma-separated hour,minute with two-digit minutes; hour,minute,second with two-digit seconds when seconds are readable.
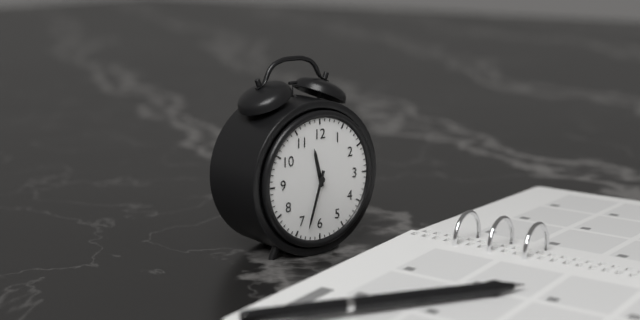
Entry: 11,33
